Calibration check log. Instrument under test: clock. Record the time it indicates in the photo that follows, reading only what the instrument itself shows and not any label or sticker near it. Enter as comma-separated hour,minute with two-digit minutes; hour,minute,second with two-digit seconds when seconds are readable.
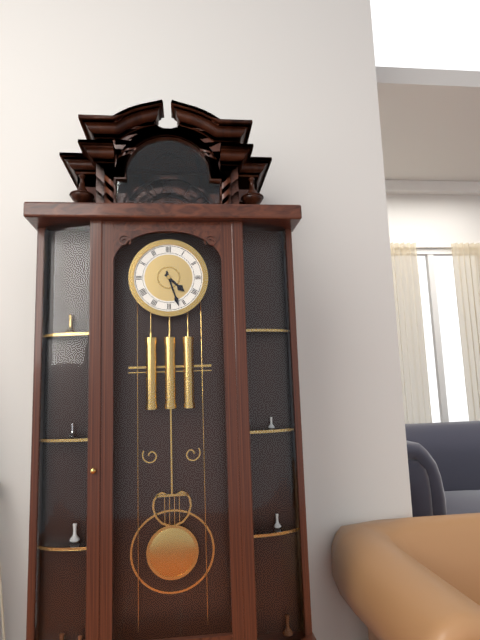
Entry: 4,27
